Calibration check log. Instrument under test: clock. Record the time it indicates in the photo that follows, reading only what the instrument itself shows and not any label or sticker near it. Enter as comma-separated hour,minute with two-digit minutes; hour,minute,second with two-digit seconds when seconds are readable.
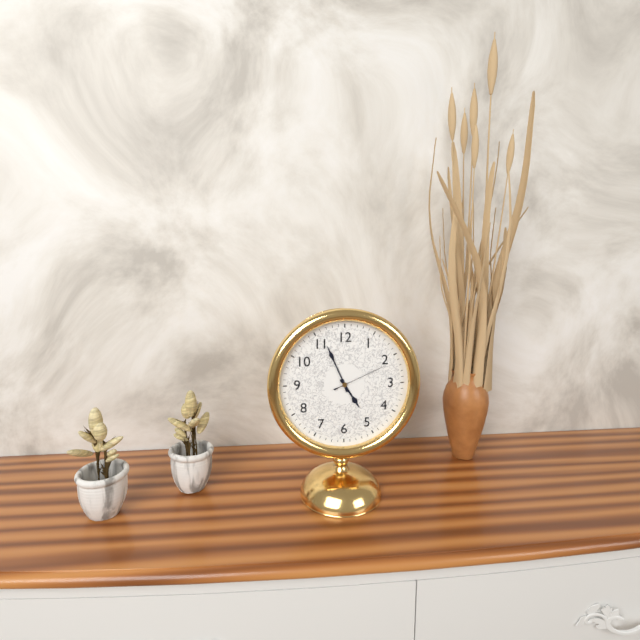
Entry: 4,56,11
